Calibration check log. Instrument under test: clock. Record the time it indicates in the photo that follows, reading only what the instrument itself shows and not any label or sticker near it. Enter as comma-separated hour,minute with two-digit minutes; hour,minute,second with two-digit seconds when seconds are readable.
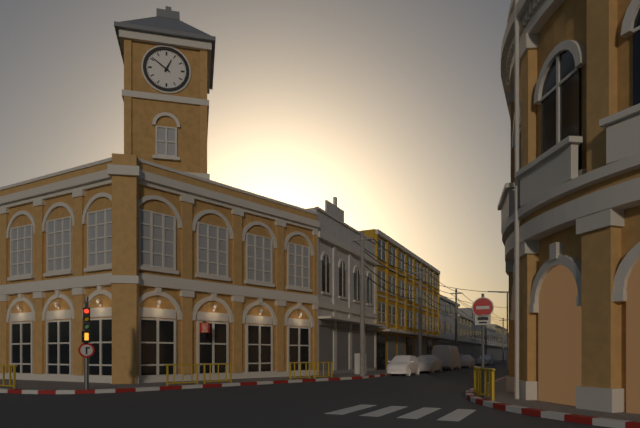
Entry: 12,51
